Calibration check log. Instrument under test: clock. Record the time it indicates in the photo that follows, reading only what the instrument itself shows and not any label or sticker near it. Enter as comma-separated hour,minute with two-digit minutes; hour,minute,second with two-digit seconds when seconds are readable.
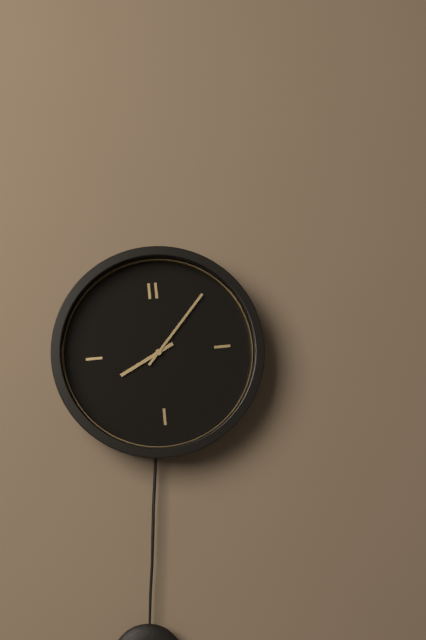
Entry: 8,07
